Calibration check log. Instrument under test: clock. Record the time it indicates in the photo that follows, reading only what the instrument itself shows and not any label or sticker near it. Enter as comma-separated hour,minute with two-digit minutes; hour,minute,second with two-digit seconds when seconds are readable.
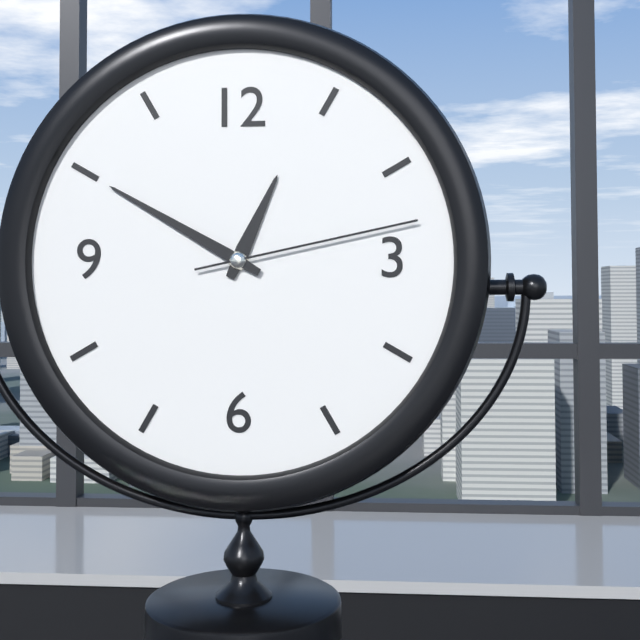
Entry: 12,50,13
